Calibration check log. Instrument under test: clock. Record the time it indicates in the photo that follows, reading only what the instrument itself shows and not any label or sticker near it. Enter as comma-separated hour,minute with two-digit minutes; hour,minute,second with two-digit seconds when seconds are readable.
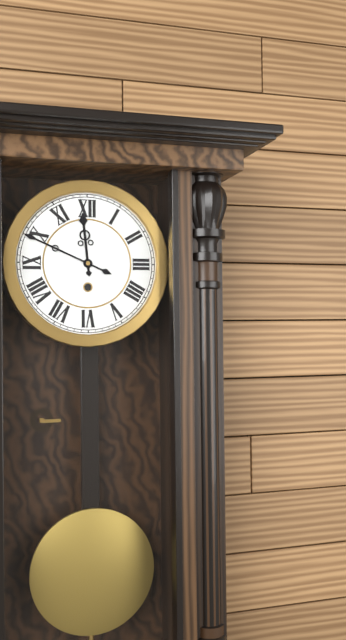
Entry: 11,49
